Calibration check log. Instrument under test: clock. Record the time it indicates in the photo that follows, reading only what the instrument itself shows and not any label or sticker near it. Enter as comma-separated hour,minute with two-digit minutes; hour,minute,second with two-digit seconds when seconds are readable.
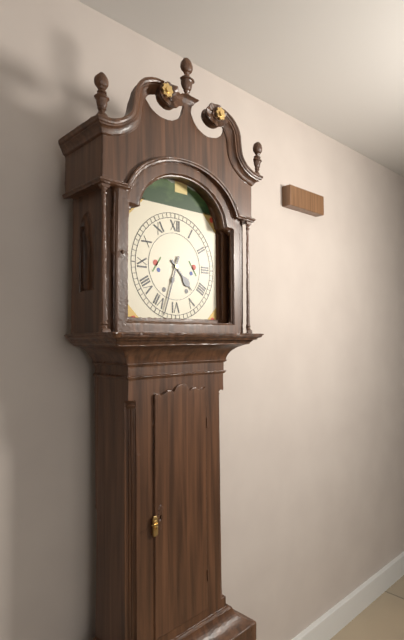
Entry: 4,33
